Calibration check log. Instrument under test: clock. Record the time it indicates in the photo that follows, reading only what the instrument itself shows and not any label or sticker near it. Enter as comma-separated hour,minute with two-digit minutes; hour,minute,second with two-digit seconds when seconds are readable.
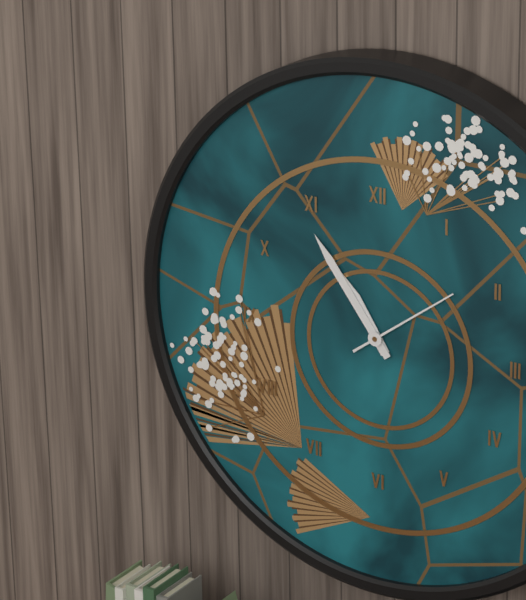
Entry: 10,54,09
